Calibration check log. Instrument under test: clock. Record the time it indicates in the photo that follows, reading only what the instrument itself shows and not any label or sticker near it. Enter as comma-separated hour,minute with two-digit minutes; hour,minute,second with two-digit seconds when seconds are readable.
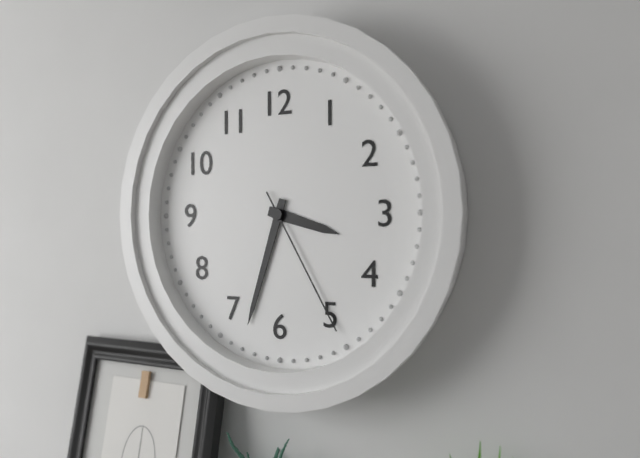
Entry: 3,33,25
